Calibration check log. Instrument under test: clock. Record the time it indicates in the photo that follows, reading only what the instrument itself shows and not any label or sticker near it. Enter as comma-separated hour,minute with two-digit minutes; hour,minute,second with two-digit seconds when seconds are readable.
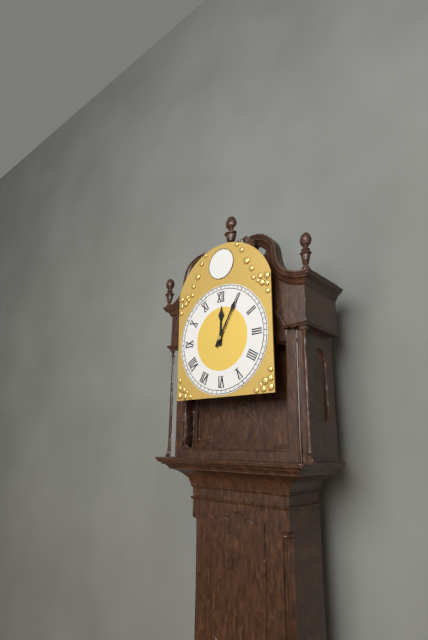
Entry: 12,05
